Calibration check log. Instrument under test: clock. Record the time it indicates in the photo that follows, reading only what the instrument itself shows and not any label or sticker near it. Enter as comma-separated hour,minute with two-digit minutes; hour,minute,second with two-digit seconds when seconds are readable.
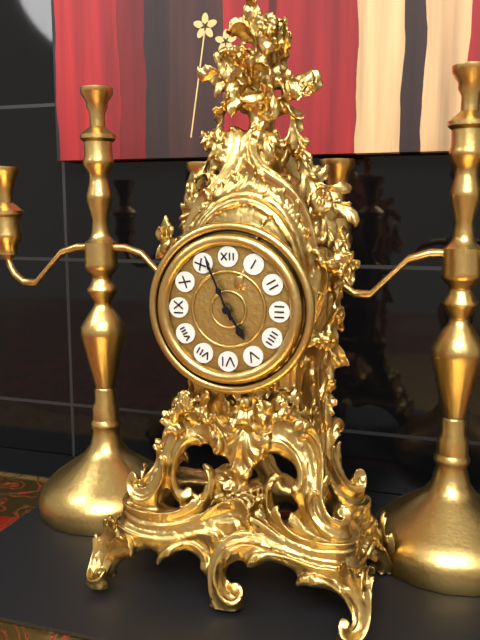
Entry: 4,56
